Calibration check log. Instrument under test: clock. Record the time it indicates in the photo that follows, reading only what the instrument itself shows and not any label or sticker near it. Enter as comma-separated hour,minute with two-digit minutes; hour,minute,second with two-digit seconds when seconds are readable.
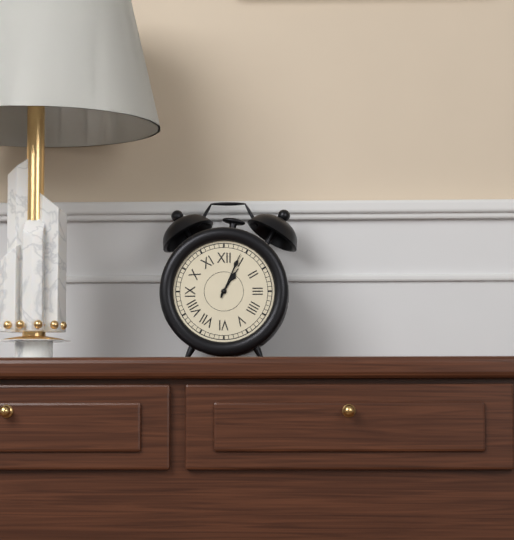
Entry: 1,04
